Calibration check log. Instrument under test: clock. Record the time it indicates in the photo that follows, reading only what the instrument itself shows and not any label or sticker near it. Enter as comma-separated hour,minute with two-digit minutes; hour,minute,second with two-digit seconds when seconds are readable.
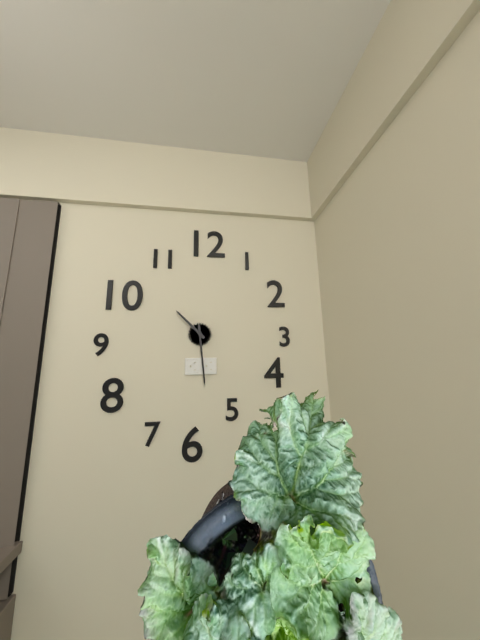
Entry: 10,29
